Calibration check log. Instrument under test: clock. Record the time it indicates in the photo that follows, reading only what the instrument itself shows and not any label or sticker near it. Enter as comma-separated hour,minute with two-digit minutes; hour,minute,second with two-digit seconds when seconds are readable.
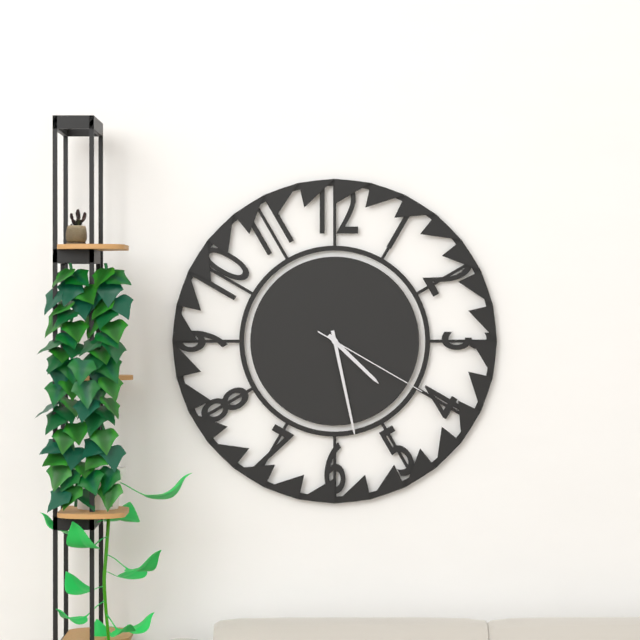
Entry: 4,28,20
